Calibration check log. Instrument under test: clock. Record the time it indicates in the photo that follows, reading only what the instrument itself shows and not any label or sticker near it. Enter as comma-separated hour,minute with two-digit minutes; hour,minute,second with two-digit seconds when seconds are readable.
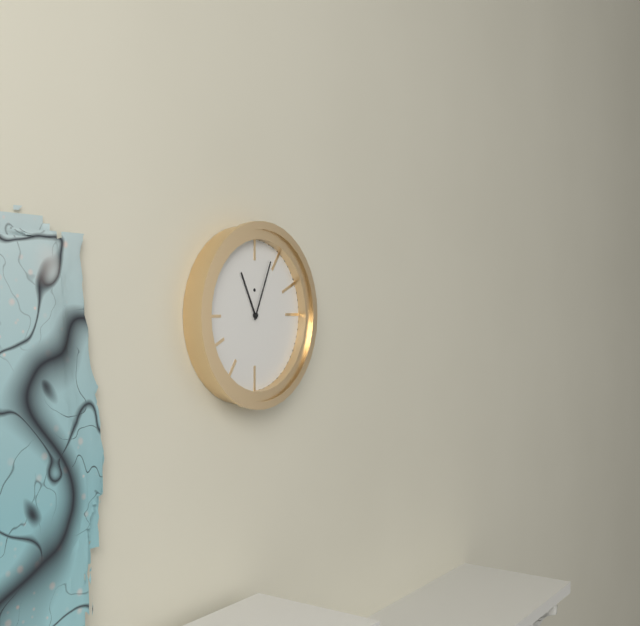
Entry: 11,04
